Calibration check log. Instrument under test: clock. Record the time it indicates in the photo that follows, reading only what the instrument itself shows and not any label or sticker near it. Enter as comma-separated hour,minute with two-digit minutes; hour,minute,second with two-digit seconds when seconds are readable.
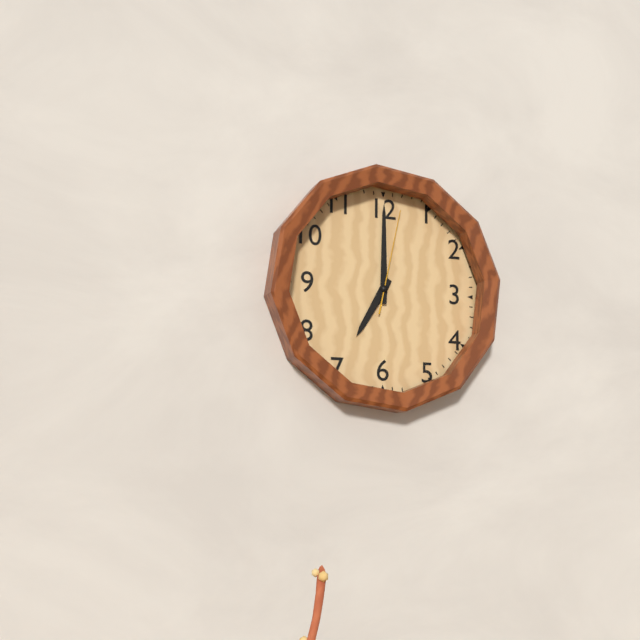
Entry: 7,00,02
